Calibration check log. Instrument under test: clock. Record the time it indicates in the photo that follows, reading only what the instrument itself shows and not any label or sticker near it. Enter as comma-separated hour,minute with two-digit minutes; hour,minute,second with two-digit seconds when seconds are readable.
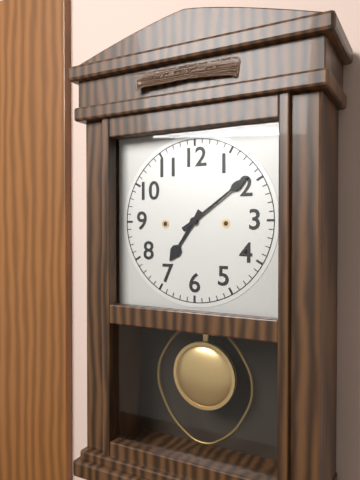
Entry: 7,09
